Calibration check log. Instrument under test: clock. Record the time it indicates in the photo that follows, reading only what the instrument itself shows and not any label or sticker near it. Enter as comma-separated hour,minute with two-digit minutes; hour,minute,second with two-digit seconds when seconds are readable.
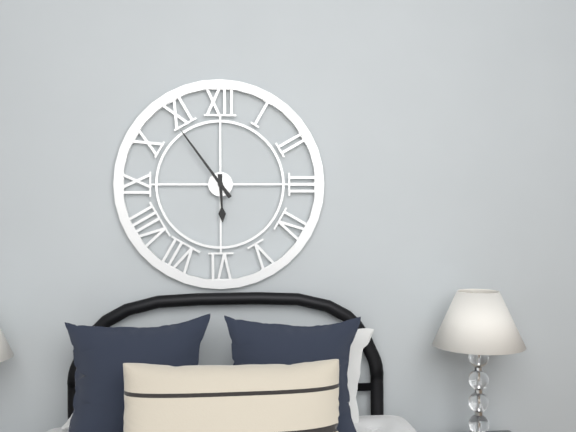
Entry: 5,54
